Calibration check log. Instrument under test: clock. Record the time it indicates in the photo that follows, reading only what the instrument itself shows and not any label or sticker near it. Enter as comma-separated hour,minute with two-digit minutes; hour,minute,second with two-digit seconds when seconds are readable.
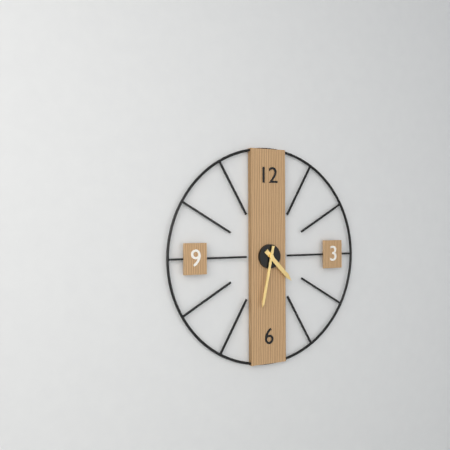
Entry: 4,32
